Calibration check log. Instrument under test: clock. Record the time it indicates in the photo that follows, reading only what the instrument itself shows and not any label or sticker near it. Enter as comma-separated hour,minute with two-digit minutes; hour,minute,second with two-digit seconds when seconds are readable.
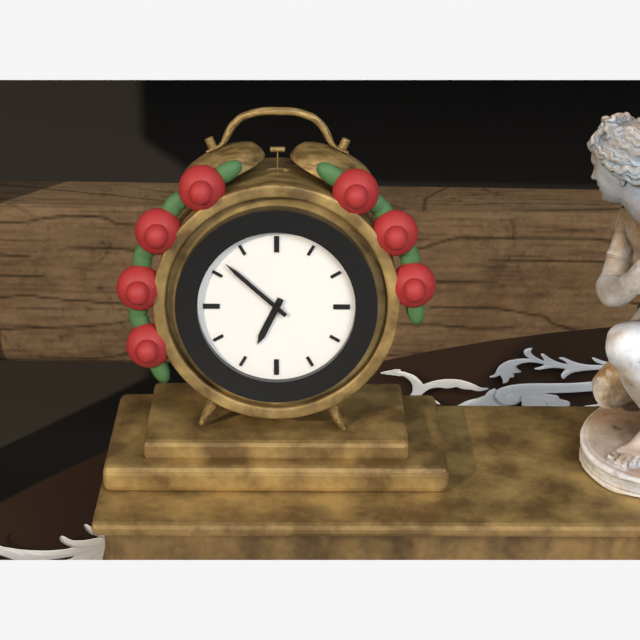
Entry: 6,52
